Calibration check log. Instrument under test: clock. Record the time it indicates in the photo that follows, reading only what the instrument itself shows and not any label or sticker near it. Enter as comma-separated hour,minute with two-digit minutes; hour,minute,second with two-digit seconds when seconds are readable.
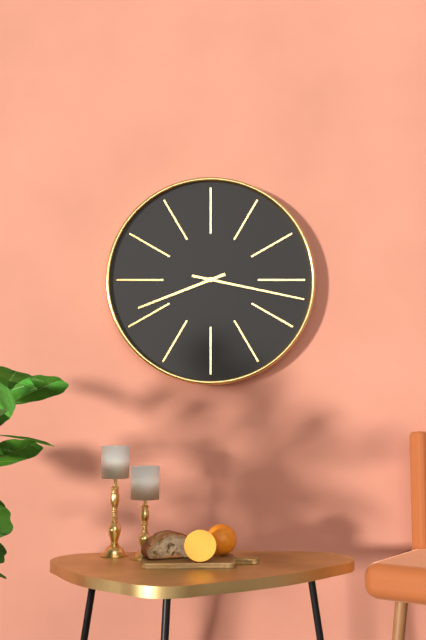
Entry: 8,17
